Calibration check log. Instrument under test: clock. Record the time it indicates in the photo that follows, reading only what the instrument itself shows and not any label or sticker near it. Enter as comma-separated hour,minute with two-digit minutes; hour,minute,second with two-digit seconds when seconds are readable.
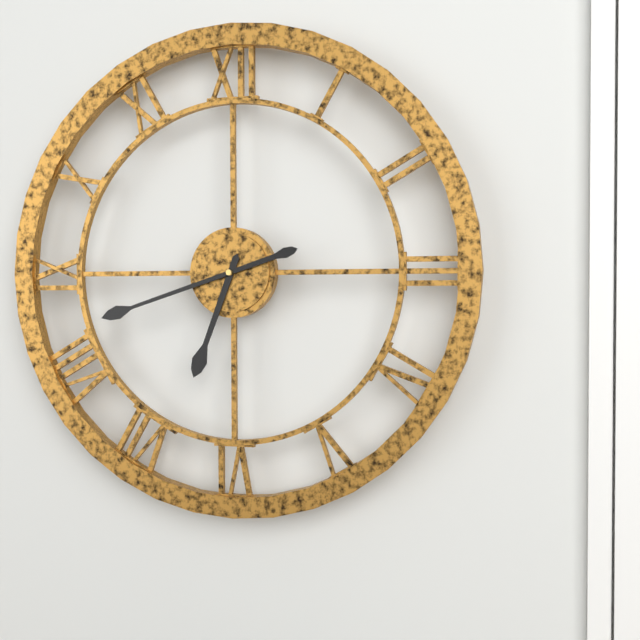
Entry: 6,42
